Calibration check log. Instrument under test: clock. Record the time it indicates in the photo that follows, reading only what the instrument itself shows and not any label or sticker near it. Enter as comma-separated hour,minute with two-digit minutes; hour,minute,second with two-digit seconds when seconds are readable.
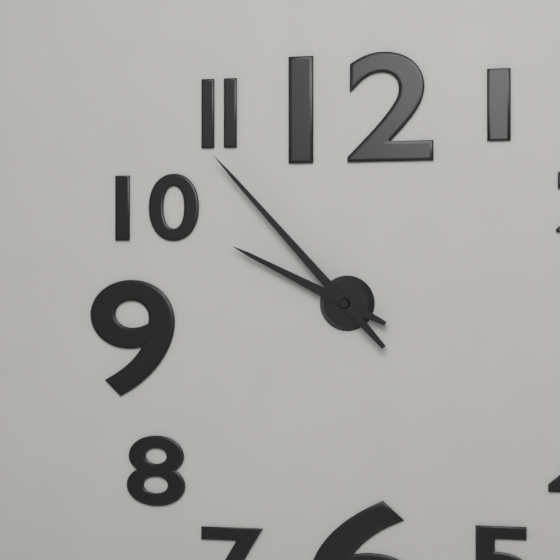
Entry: 9,53
